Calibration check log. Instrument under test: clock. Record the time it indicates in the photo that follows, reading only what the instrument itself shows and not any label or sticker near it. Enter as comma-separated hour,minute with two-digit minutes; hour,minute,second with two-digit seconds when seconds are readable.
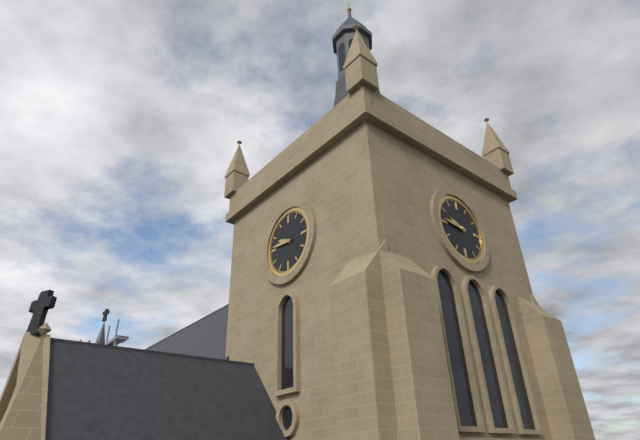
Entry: 9,46
